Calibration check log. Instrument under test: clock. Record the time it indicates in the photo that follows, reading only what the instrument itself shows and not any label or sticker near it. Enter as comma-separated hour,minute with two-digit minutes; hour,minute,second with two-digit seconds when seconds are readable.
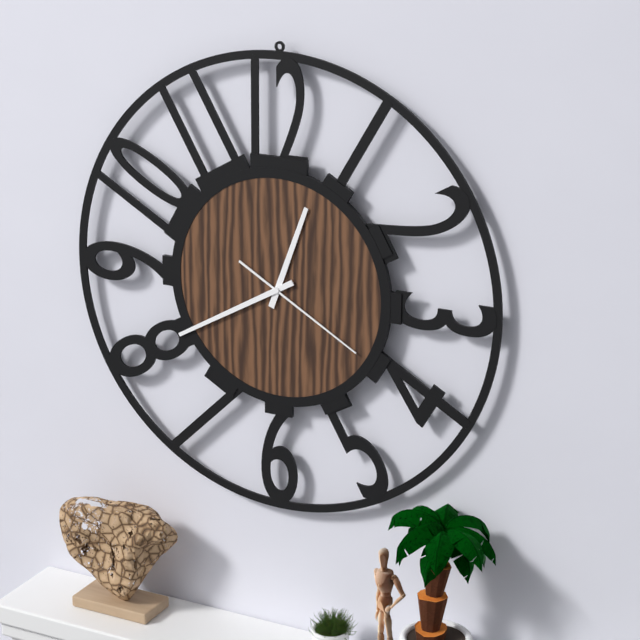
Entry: 12,40,20
